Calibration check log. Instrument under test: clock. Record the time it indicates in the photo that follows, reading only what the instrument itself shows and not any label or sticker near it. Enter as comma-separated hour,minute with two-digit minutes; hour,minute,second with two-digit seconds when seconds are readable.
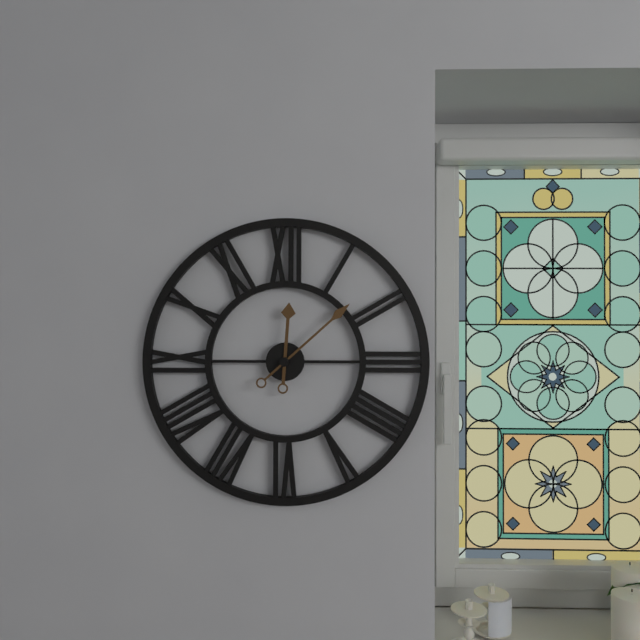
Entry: 12,08
